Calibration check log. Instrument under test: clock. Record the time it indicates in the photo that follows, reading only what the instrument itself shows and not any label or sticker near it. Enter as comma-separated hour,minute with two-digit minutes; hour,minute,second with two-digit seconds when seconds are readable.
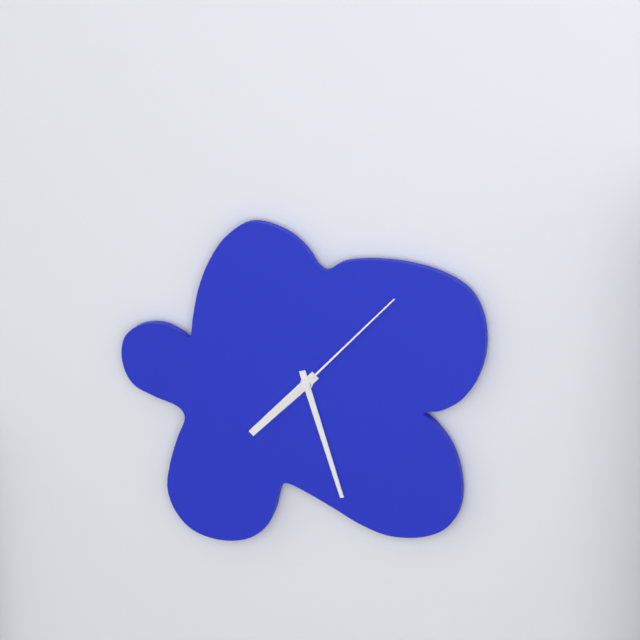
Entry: 7,27,07
